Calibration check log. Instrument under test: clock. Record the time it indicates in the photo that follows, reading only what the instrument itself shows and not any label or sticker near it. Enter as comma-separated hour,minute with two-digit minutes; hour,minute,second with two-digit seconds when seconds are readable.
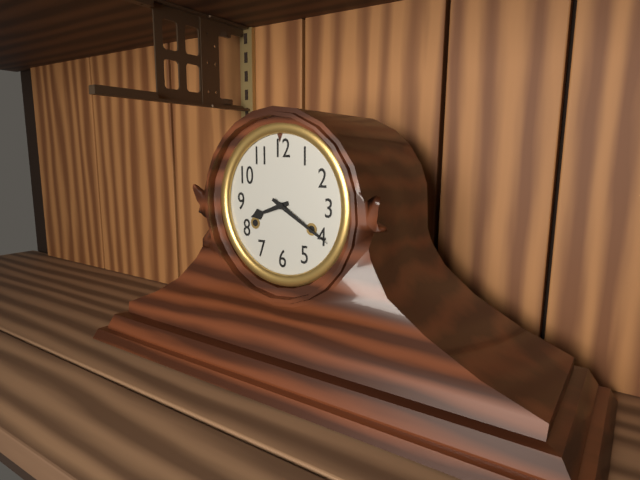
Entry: 8,20
